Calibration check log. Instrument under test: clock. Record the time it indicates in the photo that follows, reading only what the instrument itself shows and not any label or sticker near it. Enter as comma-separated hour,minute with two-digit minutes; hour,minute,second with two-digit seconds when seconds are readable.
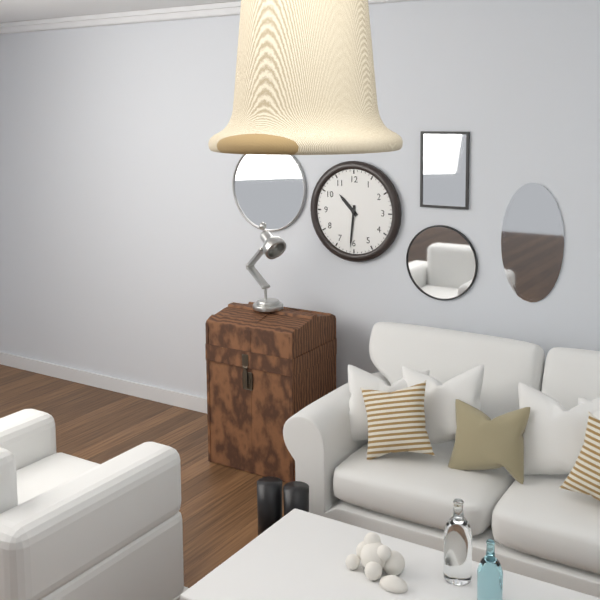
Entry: 10,31
